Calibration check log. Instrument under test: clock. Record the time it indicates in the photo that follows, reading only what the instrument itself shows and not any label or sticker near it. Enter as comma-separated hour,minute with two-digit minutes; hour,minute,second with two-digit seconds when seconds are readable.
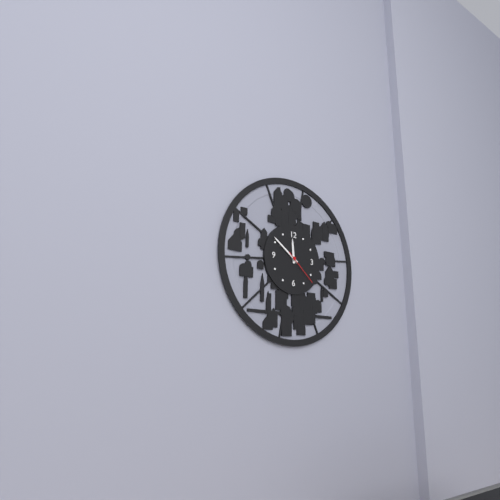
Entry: 11,51
